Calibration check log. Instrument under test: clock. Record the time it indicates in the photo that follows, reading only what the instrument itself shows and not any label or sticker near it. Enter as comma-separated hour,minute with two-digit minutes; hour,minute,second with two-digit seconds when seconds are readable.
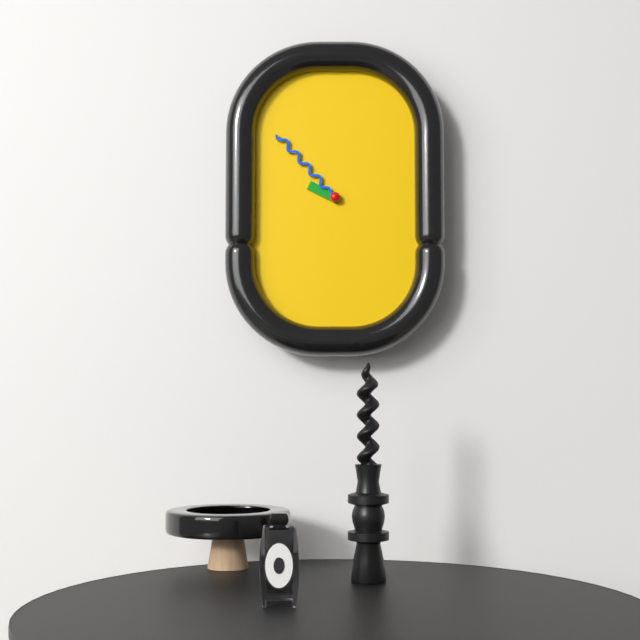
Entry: 9,53
